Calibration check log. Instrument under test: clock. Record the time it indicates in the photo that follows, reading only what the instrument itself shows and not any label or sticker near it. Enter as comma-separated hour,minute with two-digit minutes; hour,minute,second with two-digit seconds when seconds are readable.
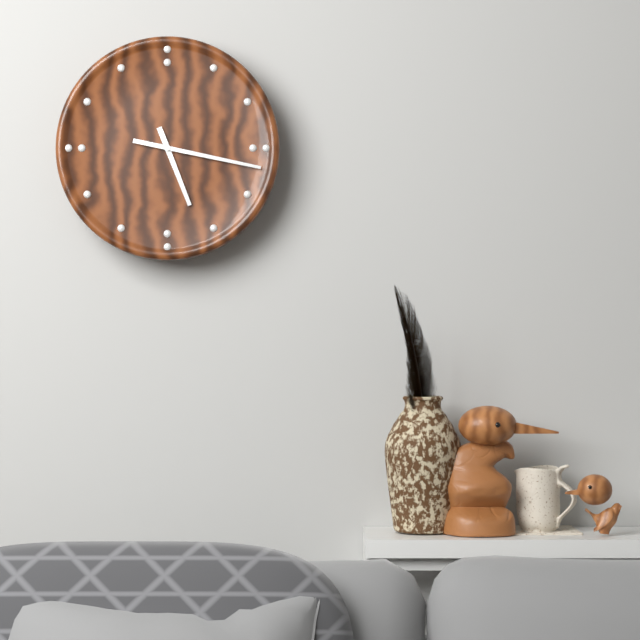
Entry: 5,17
